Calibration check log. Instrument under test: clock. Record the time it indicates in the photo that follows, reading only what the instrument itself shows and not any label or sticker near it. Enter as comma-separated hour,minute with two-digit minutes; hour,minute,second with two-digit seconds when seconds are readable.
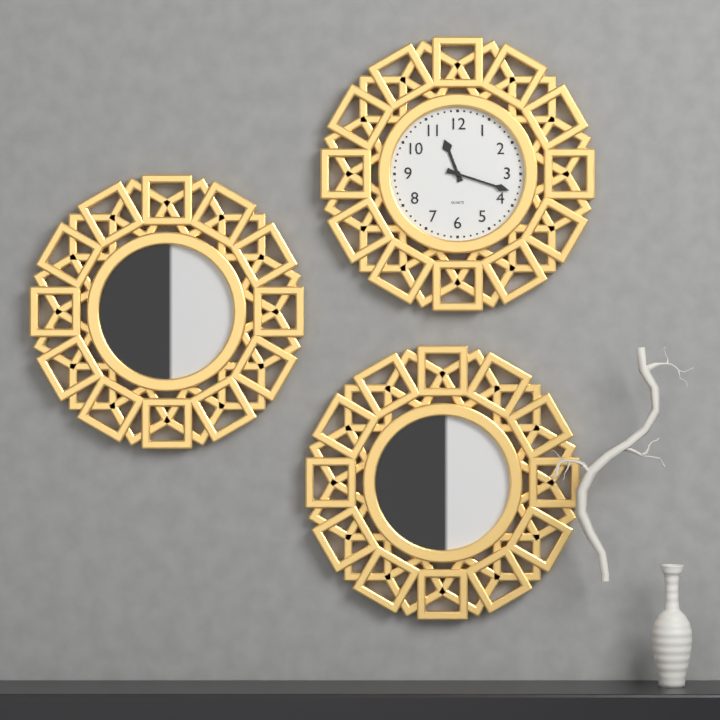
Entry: 11,18
